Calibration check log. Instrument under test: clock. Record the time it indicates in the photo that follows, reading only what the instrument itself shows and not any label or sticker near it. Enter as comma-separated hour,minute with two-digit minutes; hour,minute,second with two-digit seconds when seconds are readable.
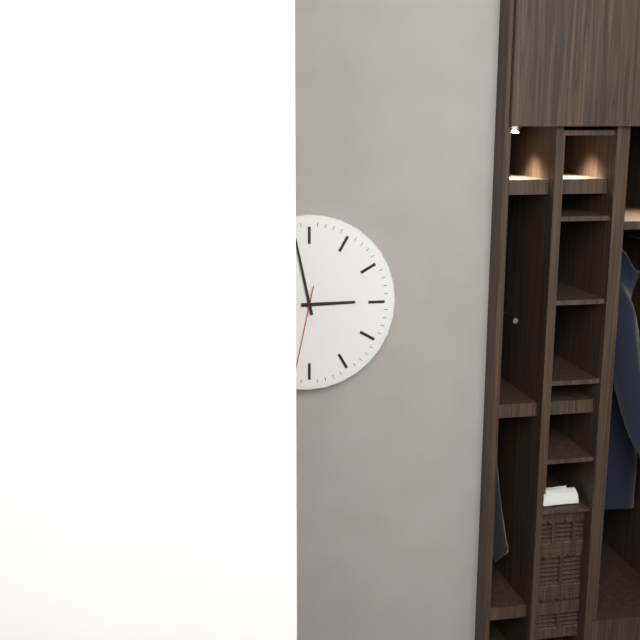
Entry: 2,58,32
